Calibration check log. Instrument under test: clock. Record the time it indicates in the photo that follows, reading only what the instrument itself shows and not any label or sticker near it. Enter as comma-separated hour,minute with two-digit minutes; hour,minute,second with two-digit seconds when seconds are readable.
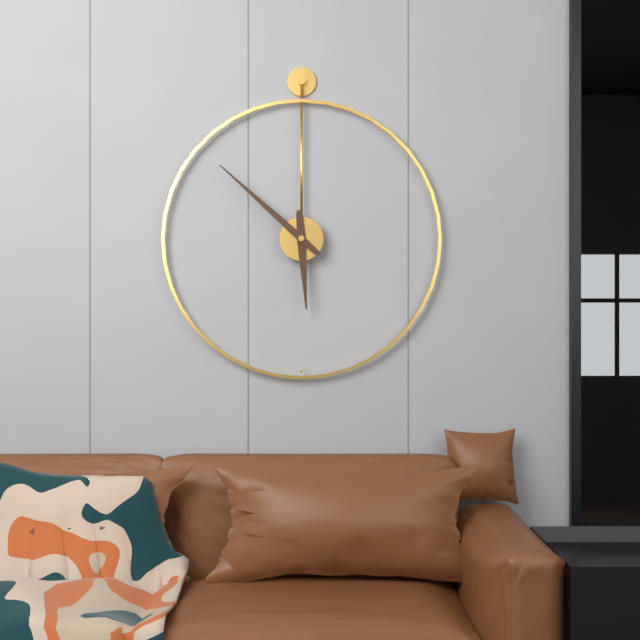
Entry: 5,52
